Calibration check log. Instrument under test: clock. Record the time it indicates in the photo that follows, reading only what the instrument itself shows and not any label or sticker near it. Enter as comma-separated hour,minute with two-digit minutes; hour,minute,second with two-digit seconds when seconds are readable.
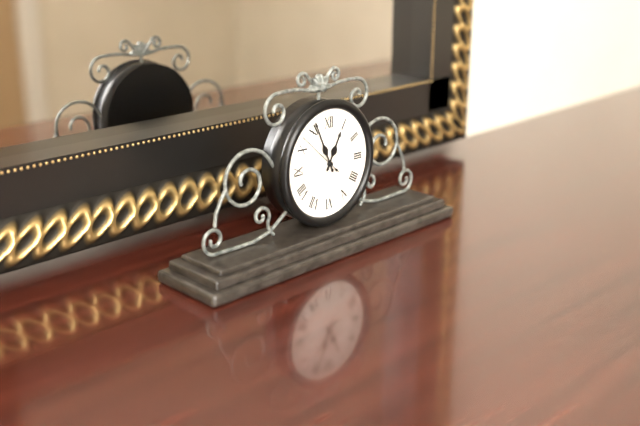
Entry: 12,56
